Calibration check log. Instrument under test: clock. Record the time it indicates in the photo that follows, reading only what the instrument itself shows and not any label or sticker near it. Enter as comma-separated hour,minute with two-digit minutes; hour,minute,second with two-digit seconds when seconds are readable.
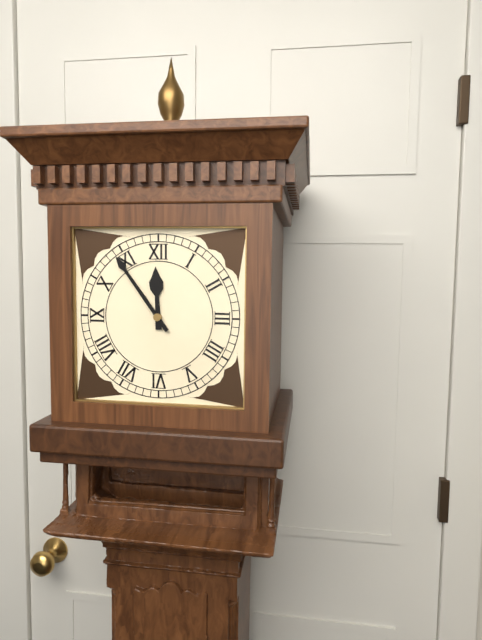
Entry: 11,54
